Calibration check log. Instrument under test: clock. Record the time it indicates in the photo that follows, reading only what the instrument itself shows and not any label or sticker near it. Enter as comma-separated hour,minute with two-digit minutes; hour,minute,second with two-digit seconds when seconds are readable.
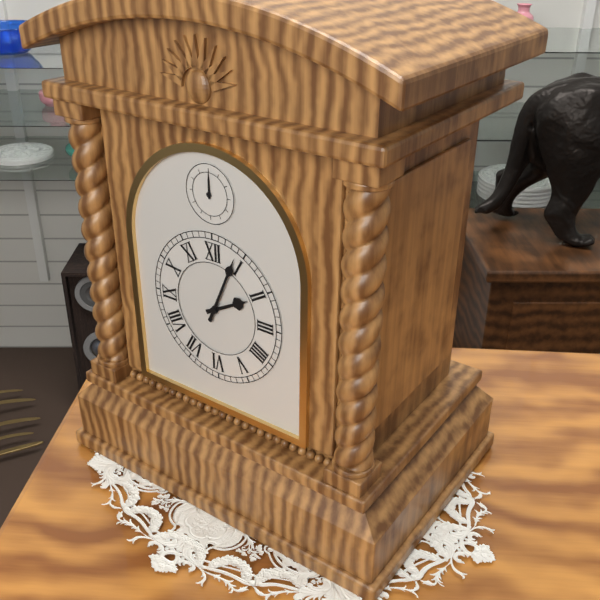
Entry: 2,04
